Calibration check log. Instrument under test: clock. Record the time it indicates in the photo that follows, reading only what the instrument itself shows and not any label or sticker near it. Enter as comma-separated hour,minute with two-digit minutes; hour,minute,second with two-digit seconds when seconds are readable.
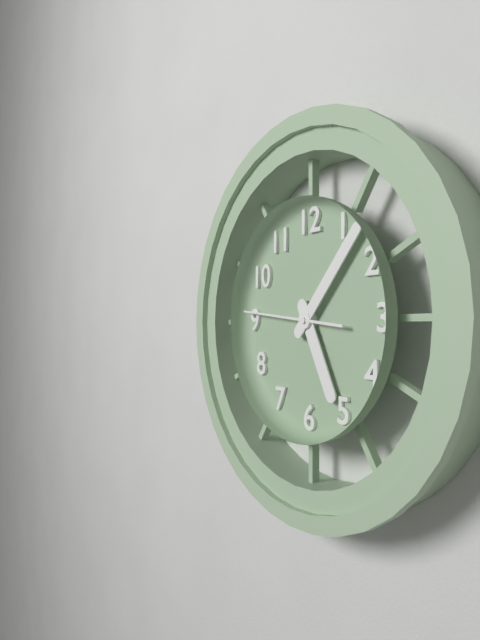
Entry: 5,07,46
